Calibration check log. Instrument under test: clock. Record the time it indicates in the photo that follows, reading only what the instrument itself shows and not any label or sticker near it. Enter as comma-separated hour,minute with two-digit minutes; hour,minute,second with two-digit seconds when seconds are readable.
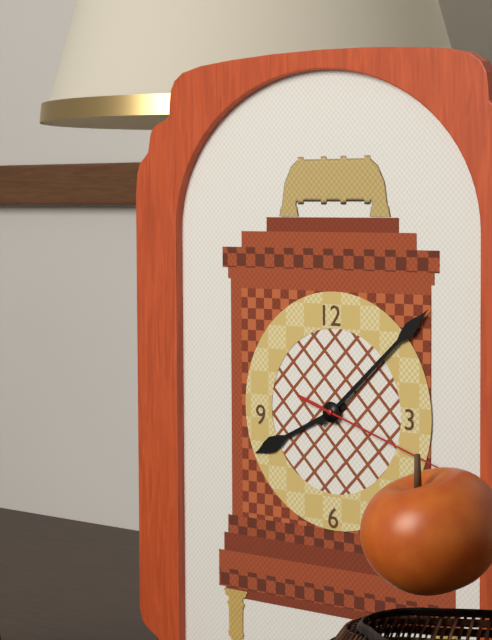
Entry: 8,08,18
